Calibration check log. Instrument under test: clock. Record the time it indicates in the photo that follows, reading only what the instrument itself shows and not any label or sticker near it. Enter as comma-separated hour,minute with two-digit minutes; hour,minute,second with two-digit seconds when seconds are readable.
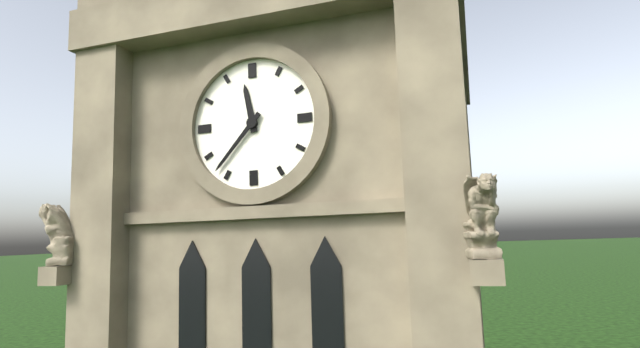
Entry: 11,37
